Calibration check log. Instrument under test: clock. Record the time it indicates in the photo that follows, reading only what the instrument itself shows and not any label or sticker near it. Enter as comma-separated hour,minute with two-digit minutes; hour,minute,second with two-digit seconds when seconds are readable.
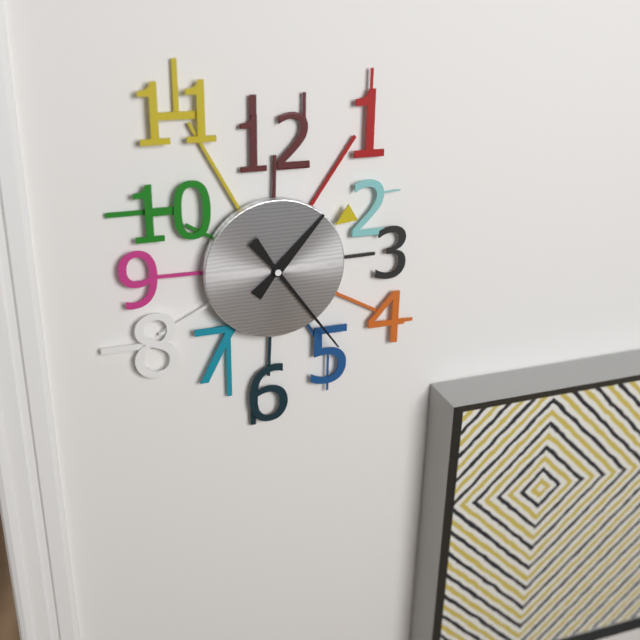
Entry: 1,24
